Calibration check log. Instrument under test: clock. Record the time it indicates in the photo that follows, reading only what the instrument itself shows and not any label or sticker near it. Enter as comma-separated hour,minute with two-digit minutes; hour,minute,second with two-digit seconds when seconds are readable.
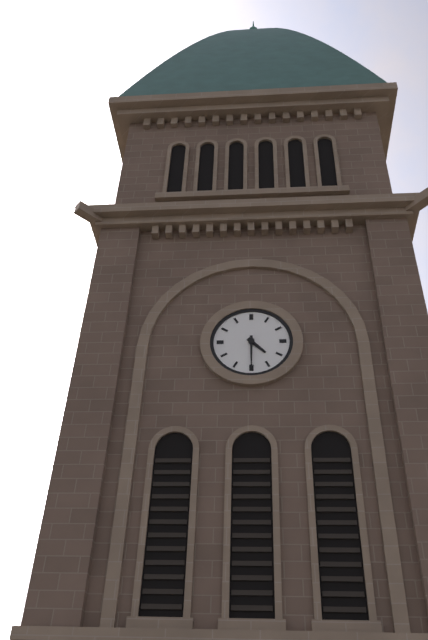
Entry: 4,30
